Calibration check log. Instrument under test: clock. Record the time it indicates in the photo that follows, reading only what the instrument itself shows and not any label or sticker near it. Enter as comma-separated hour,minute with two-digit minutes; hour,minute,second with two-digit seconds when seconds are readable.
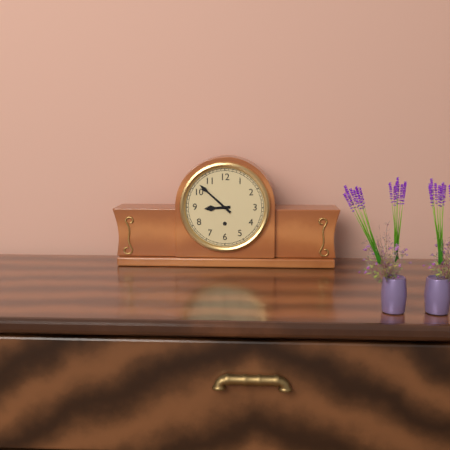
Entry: 8,52
